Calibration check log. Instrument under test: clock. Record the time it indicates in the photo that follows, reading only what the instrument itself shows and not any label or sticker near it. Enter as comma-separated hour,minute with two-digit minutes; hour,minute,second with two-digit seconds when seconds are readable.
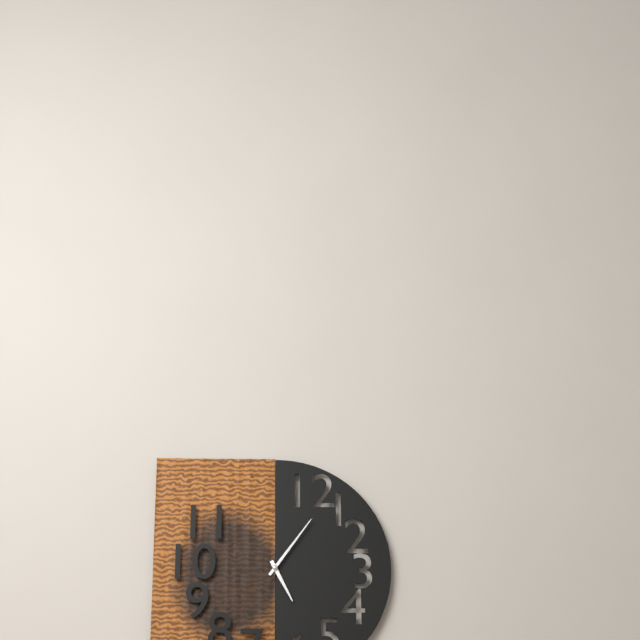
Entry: 5,06
